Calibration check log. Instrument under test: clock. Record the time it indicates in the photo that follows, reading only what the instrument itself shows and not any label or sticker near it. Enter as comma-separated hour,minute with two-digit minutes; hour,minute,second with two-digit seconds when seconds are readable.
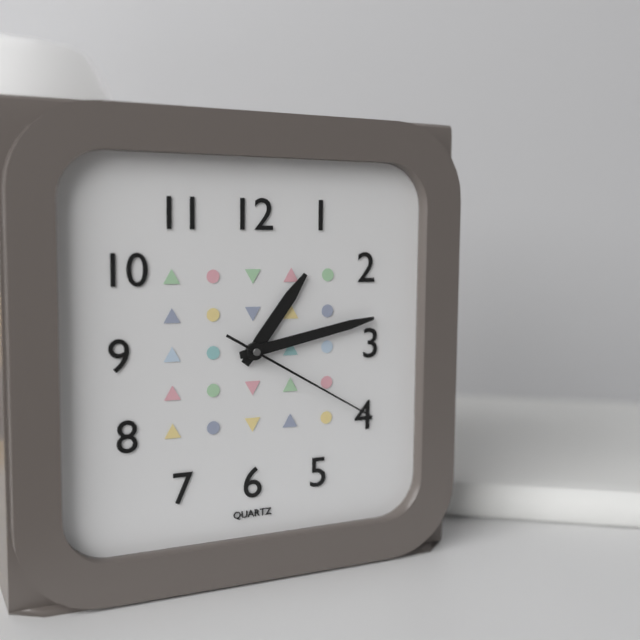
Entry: 1,13,20
